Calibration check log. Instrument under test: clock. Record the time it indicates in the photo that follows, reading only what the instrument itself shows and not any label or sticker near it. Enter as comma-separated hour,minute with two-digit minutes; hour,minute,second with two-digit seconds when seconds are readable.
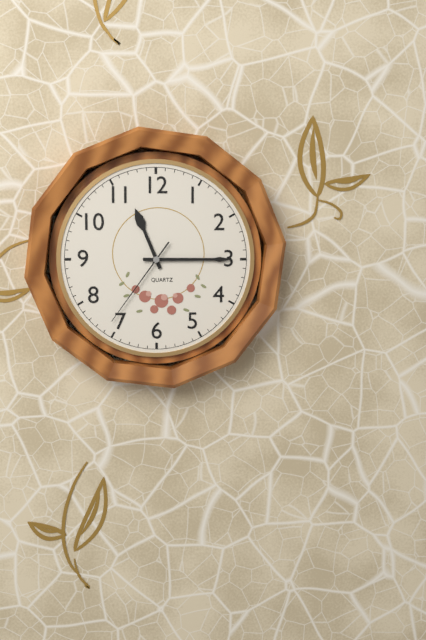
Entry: 11,15,36
